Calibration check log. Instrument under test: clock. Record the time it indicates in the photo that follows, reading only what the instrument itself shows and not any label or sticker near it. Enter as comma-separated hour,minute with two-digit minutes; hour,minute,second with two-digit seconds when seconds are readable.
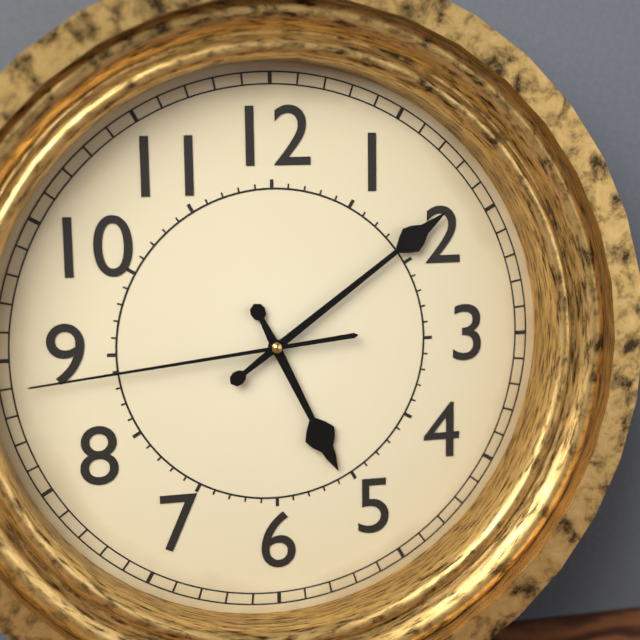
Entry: 5,09,44
